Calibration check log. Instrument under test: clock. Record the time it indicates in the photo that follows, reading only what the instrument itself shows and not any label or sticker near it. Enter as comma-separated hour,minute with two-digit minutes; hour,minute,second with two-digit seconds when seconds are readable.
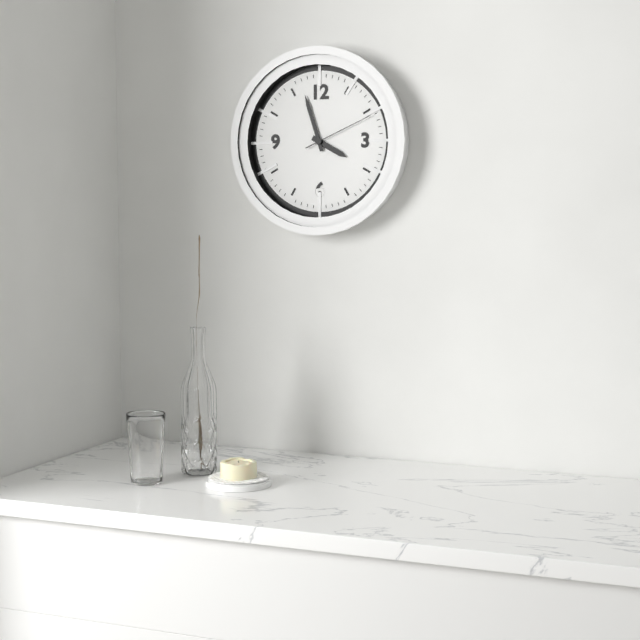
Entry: 3,57,11
